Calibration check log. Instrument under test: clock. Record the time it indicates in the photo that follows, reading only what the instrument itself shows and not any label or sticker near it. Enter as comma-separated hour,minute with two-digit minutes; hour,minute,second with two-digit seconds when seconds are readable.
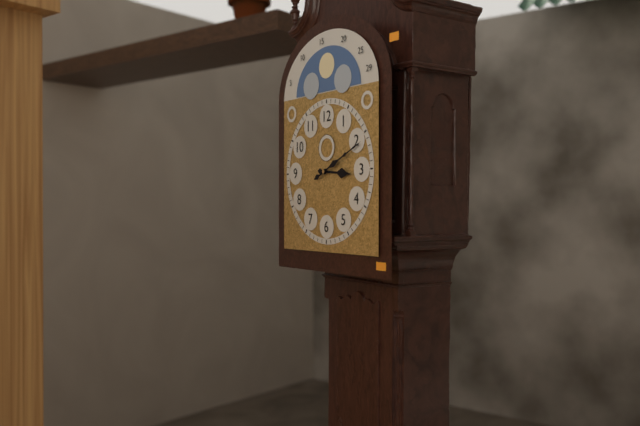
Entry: 3,11
